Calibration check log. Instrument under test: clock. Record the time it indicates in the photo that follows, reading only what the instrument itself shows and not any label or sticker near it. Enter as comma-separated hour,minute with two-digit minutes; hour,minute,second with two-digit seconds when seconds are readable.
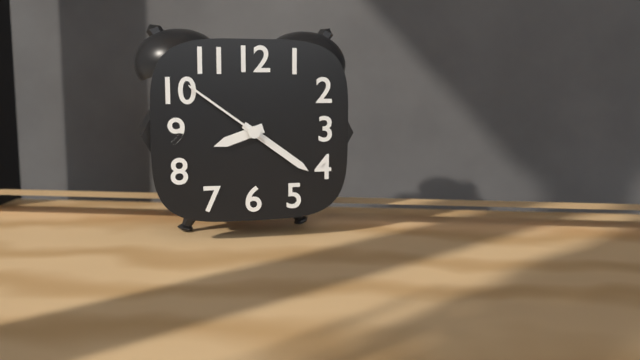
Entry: 8,21,51
